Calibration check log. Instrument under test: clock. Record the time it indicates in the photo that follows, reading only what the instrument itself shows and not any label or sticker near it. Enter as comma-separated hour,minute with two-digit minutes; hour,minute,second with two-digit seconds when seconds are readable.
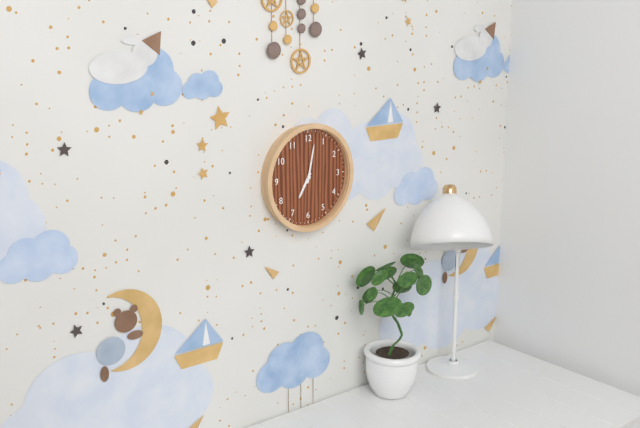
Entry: 7,02
